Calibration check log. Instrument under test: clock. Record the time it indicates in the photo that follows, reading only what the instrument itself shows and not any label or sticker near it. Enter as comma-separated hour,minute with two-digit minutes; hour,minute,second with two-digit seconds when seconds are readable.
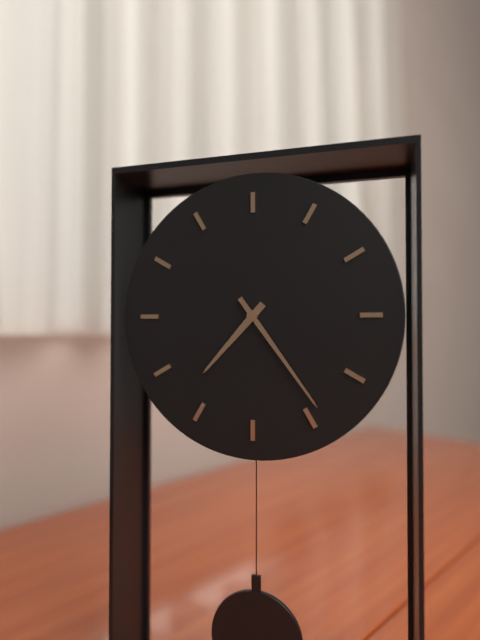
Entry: 7,24
